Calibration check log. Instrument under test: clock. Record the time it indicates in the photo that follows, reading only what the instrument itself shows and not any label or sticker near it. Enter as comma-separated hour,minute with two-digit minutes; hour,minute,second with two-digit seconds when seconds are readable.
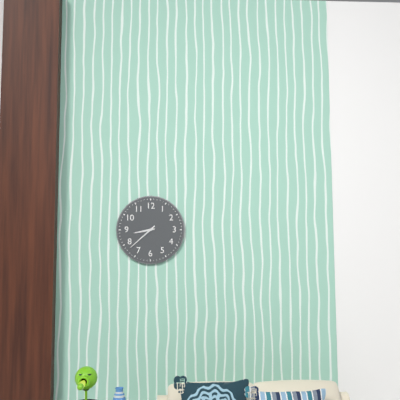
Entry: 8,38
